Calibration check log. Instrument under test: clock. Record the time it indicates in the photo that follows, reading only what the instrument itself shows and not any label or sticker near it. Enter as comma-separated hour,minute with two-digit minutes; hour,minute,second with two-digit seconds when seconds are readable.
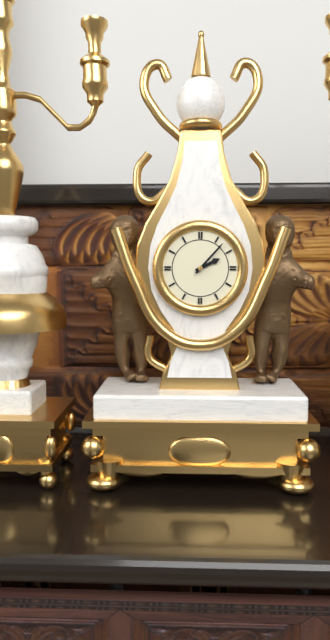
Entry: 2,07
